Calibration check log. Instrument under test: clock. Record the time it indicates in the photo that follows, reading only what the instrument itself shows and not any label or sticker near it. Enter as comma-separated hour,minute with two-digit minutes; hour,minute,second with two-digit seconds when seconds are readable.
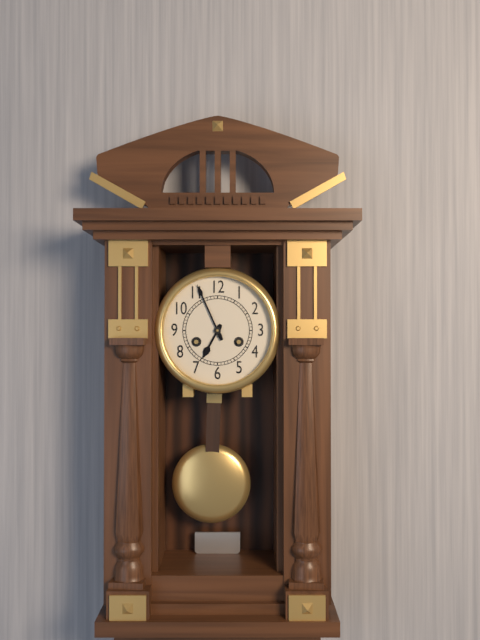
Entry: 6,56
